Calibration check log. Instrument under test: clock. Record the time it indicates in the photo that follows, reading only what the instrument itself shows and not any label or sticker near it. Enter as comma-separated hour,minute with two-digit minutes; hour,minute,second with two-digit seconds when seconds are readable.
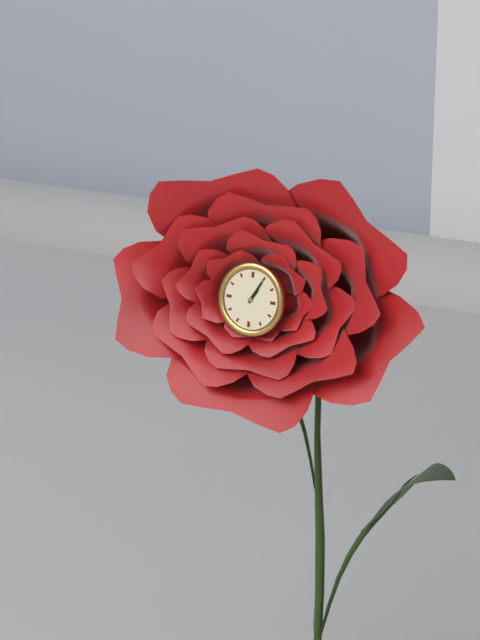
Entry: 1,05
